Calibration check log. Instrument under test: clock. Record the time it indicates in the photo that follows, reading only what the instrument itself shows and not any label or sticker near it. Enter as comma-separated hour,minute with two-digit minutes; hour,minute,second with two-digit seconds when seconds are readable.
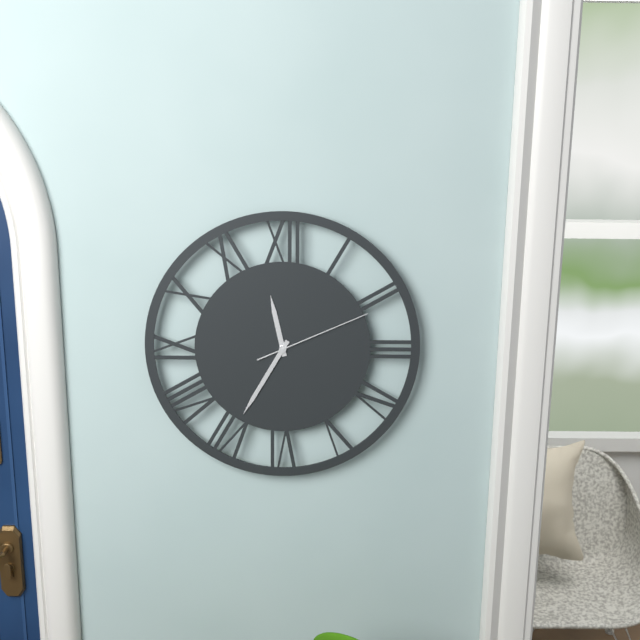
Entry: 11,35,11
